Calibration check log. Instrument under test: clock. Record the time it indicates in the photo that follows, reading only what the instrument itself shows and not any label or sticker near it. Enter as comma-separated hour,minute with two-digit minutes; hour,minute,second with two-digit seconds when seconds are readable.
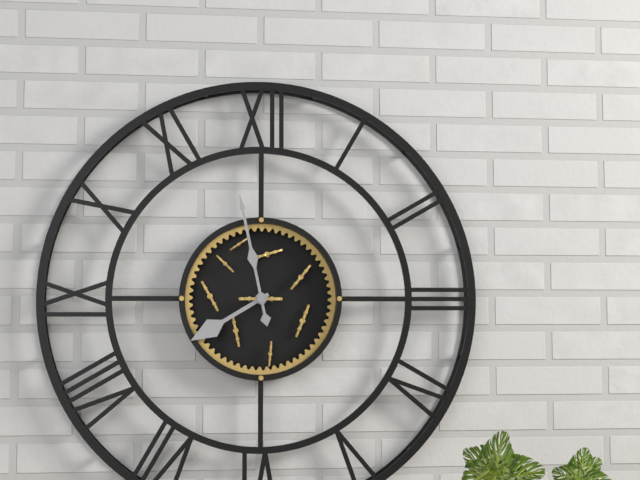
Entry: 7,58
